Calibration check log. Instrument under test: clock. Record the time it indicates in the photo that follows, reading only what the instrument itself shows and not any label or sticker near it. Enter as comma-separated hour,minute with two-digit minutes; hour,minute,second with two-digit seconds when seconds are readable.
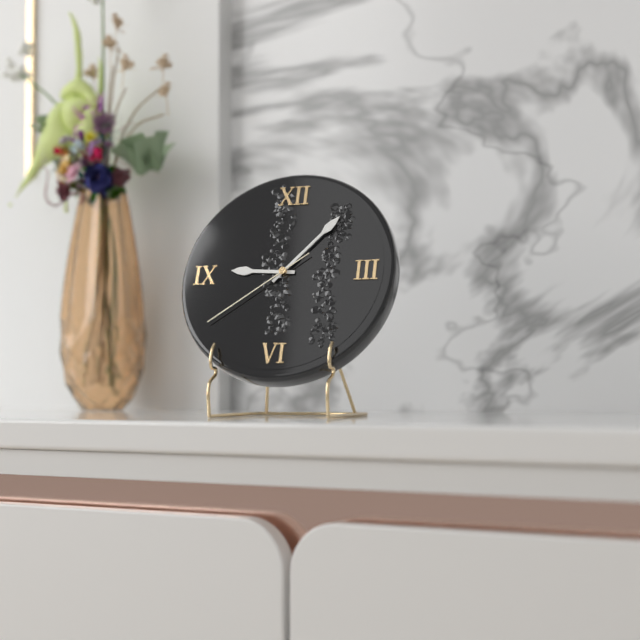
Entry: 9,07,39
